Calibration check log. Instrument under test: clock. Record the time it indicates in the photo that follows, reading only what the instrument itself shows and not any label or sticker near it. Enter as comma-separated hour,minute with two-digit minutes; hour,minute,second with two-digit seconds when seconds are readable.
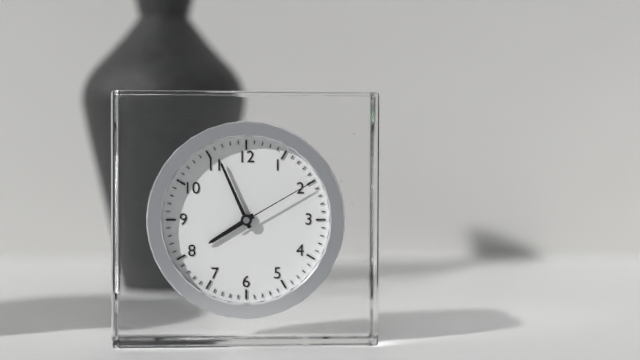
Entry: 7,56,10
